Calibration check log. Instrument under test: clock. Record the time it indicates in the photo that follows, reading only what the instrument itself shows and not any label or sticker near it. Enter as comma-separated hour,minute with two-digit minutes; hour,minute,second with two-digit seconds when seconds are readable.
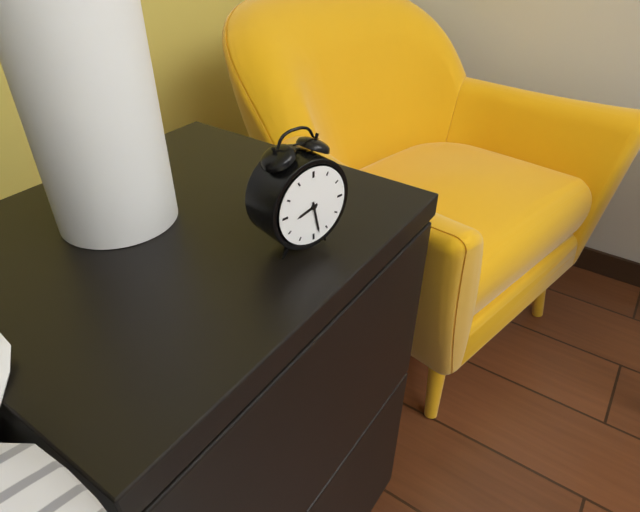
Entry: 8,28
